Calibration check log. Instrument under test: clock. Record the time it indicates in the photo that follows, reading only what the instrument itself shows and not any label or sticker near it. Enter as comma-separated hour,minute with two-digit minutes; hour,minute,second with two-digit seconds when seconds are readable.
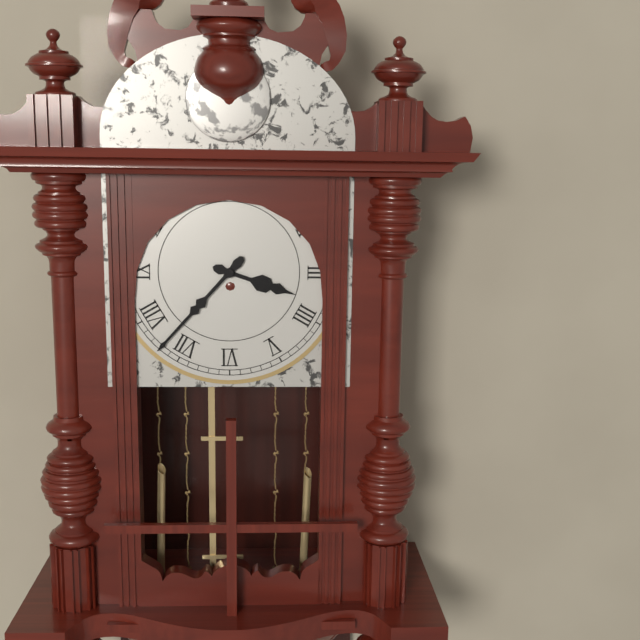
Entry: 3,37
